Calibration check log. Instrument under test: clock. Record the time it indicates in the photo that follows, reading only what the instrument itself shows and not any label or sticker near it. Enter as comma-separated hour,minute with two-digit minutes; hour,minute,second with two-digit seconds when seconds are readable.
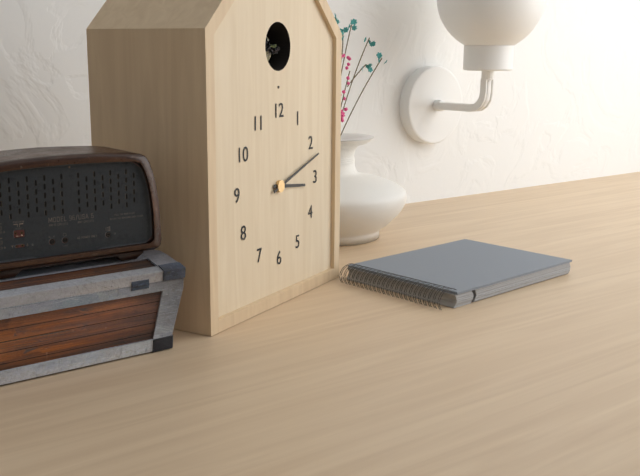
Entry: 3,12
